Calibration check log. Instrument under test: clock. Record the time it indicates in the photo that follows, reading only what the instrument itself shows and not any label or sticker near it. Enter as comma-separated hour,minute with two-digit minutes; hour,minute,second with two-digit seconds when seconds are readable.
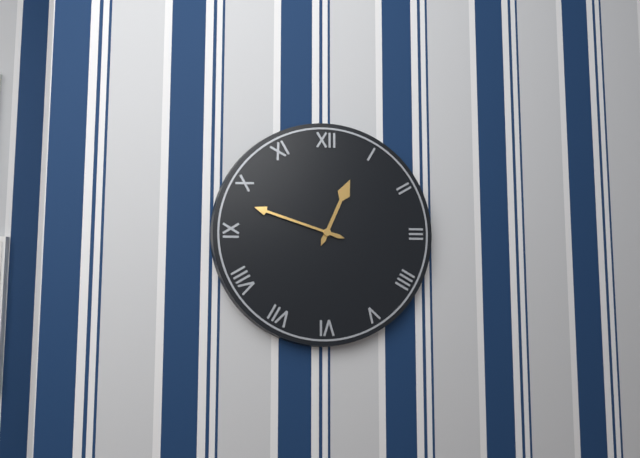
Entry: 12,48
